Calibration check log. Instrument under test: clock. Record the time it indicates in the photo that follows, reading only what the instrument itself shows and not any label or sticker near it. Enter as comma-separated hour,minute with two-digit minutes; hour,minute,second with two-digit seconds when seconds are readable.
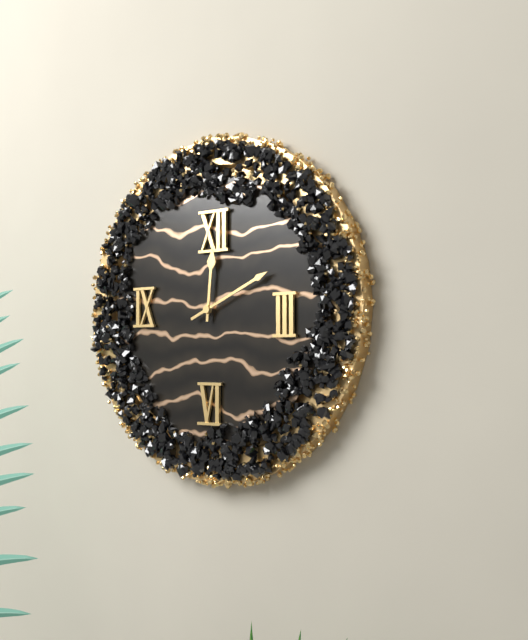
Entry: 12,11
